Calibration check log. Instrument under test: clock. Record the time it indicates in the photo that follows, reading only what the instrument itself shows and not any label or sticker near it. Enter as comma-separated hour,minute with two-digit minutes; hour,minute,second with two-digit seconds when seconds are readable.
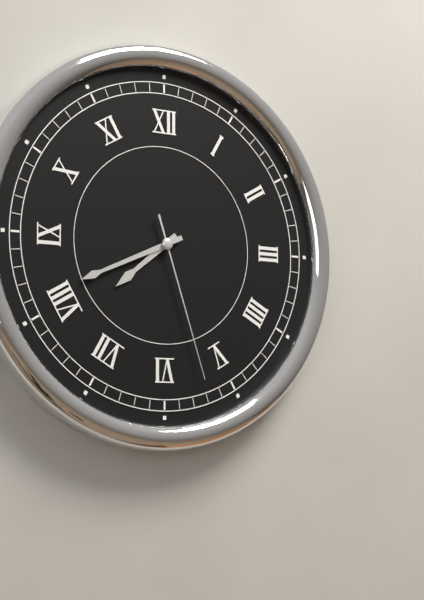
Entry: 7,41,27
